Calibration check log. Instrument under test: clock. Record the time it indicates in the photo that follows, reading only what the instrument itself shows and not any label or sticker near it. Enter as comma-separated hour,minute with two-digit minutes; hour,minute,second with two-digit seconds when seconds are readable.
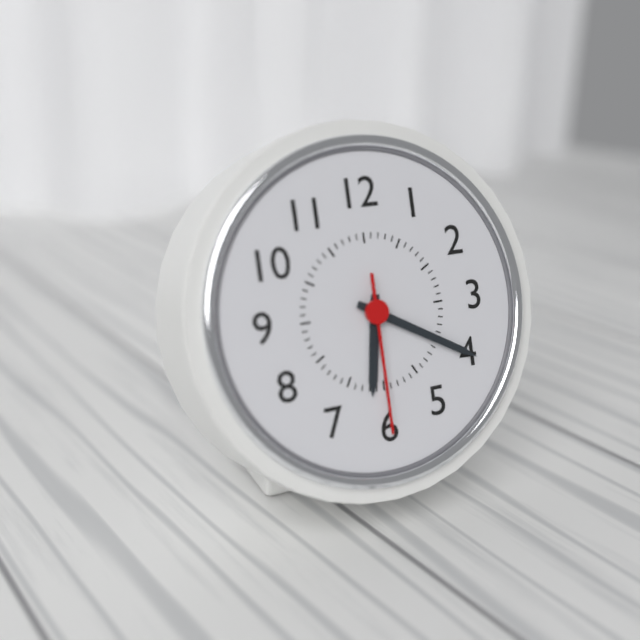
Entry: 6,20,30
